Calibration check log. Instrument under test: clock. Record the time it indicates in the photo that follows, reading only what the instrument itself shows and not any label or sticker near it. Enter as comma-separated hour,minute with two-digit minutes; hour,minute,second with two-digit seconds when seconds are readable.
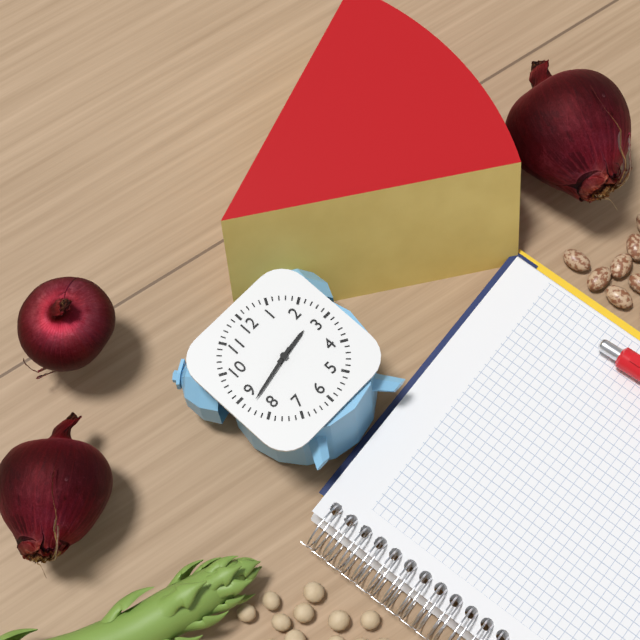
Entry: 2,43
